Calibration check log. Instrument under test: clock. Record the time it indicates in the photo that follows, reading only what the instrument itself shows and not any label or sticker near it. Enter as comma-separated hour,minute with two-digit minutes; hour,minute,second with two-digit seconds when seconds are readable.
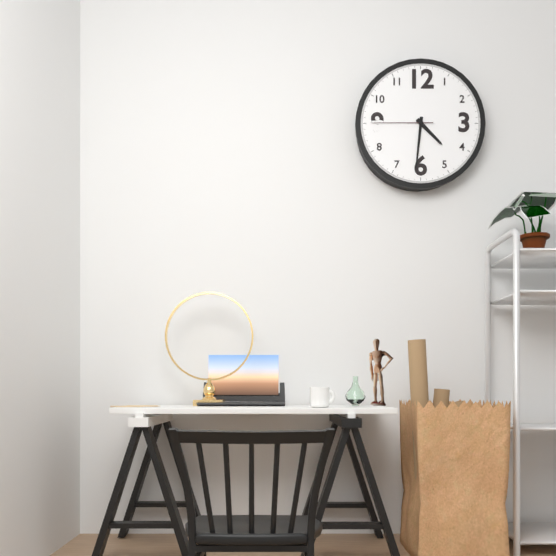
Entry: 4,31,45
